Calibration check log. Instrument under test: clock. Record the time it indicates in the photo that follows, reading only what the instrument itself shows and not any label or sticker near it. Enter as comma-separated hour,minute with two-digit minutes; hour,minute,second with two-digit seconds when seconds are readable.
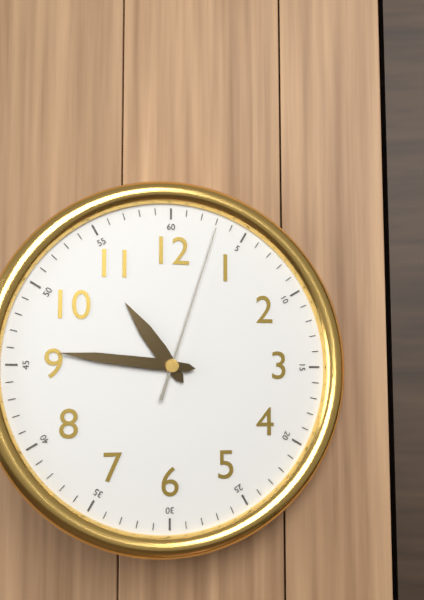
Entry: 10,46,03
